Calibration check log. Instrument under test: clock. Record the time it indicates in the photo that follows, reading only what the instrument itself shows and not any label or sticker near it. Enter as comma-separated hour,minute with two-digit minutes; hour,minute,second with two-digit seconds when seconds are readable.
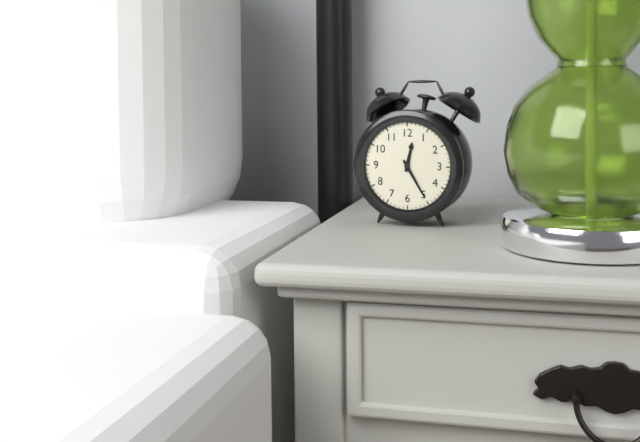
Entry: 12,25
